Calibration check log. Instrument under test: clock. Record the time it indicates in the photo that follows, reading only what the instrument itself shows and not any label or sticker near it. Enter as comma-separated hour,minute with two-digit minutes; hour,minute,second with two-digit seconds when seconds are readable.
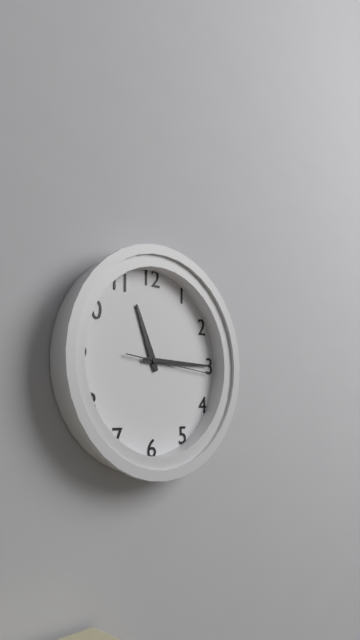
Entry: 11,15,16
